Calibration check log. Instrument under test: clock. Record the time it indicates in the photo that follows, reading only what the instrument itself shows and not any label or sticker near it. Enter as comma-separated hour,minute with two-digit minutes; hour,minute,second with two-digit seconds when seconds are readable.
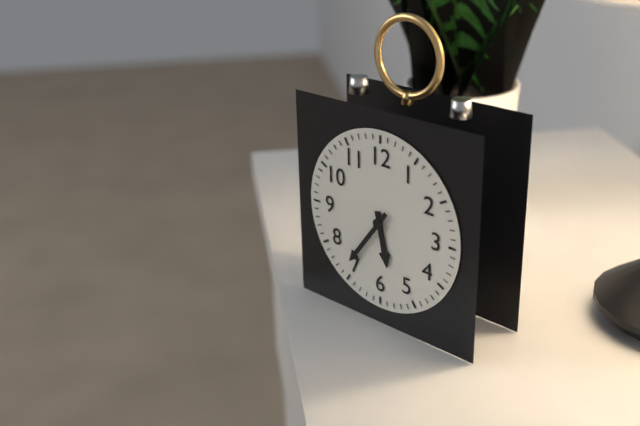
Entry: 5,36
